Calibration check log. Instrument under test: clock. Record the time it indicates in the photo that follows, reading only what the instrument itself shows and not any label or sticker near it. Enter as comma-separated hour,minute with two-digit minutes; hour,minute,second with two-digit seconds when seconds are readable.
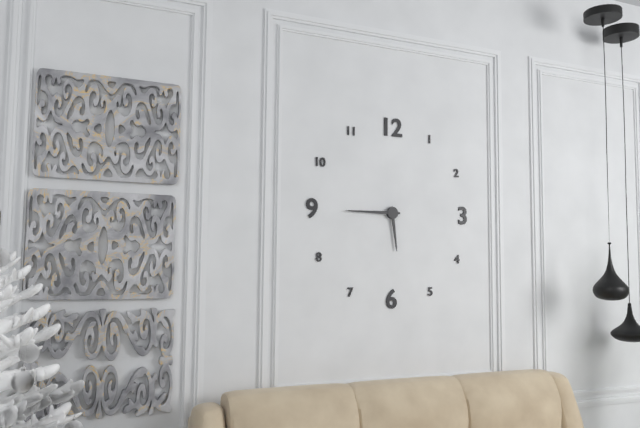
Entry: 5,45
